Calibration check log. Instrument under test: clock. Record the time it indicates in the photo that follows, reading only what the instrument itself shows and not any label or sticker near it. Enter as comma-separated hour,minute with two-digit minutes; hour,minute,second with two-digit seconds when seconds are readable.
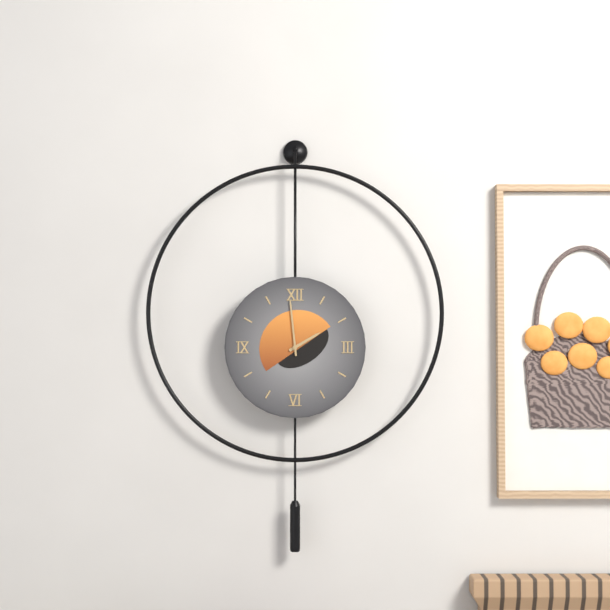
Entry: 1,59
